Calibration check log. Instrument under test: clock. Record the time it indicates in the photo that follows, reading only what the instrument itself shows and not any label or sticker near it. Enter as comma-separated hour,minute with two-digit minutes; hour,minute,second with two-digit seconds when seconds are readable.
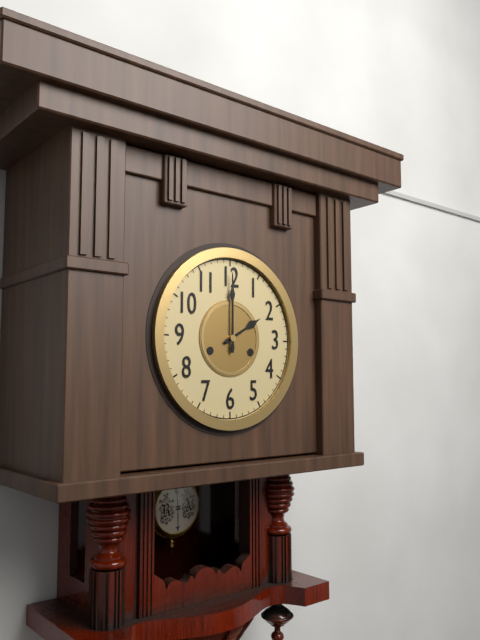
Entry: 2,00
